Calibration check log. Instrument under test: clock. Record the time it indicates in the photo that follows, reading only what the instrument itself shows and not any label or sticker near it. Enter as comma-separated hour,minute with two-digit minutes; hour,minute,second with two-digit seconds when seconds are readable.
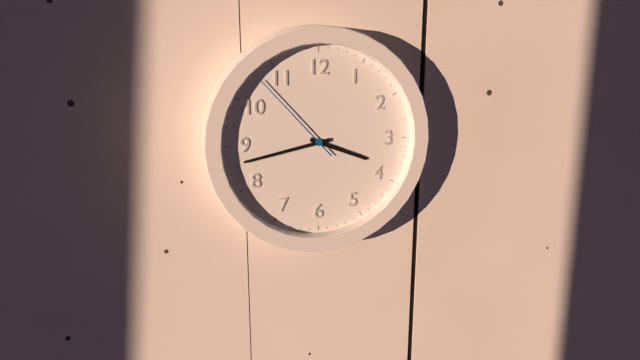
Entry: 3,43,53
